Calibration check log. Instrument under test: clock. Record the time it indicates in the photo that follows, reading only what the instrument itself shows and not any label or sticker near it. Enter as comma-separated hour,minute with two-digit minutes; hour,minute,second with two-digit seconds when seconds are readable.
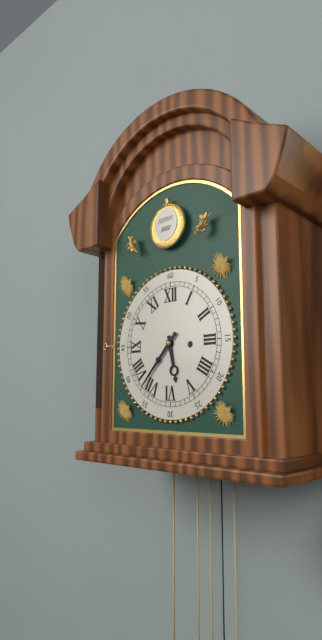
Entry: 5,37
